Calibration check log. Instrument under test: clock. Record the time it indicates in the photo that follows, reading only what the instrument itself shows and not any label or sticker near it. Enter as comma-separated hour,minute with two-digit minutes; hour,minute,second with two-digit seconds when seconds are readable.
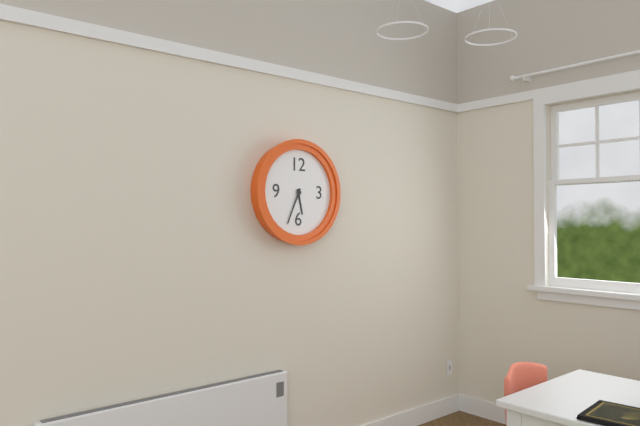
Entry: 5,34
